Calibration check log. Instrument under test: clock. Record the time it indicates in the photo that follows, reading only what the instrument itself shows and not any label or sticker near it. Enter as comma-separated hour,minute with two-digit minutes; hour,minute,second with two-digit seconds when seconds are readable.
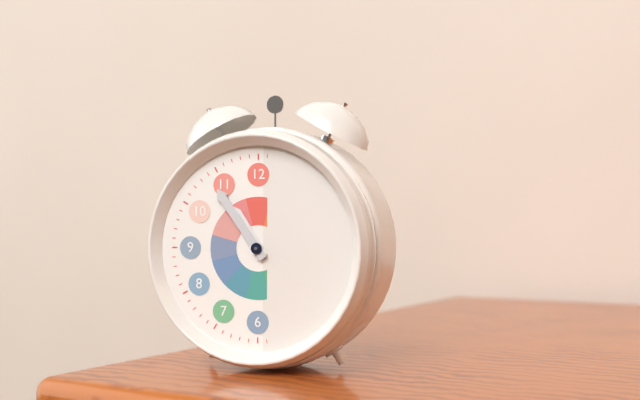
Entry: 10,54
